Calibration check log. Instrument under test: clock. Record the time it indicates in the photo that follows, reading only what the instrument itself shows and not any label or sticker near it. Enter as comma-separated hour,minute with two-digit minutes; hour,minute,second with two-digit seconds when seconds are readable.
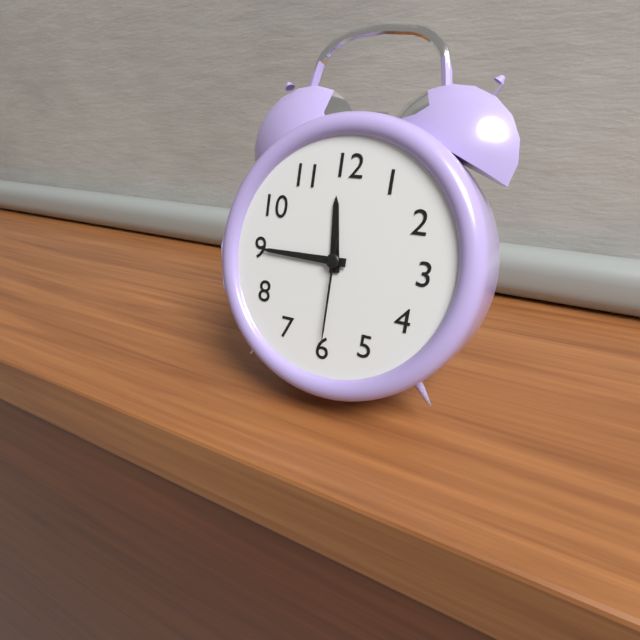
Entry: 11,45,30
